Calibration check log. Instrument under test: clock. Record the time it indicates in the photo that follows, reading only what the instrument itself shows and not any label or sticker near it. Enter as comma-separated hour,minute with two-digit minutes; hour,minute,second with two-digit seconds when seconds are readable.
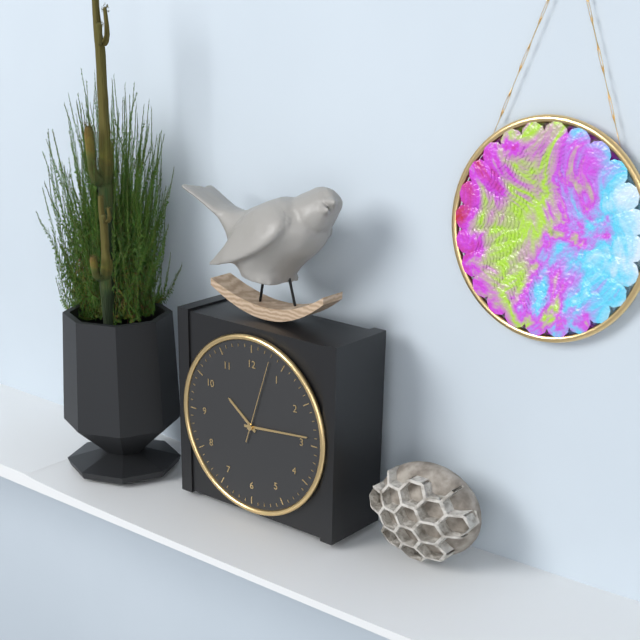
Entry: 10,14,03
